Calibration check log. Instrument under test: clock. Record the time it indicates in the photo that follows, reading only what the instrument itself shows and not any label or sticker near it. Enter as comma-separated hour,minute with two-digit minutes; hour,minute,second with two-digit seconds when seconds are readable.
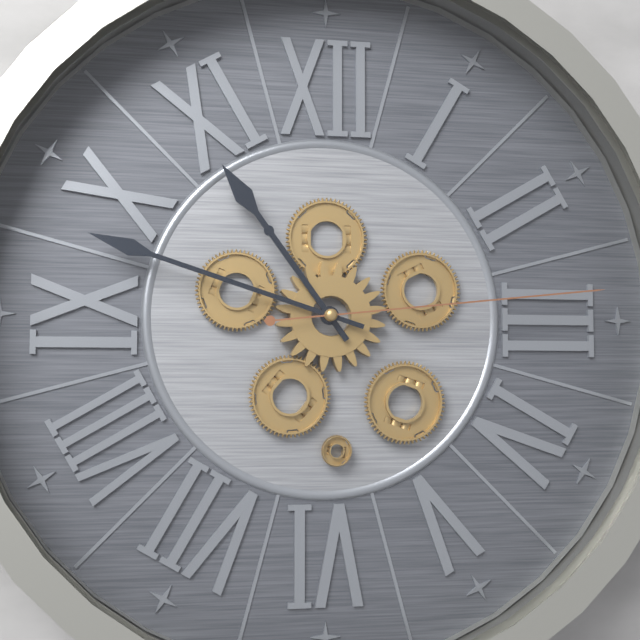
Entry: 10,48,14
